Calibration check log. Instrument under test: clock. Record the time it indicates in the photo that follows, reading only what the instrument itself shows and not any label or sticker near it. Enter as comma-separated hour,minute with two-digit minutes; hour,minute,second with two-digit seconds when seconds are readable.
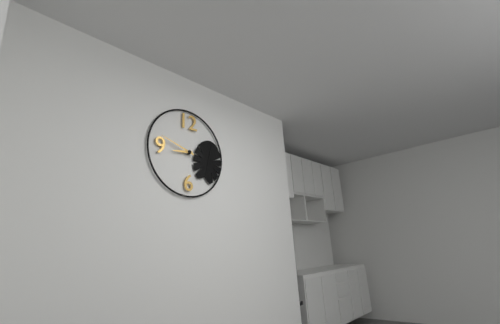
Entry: 8,48
